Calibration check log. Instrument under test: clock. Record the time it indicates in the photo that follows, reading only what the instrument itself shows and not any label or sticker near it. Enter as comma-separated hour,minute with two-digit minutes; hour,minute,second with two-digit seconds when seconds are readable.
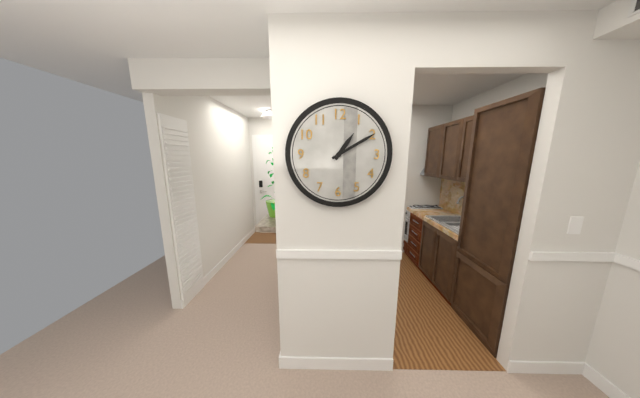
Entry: 1,10
